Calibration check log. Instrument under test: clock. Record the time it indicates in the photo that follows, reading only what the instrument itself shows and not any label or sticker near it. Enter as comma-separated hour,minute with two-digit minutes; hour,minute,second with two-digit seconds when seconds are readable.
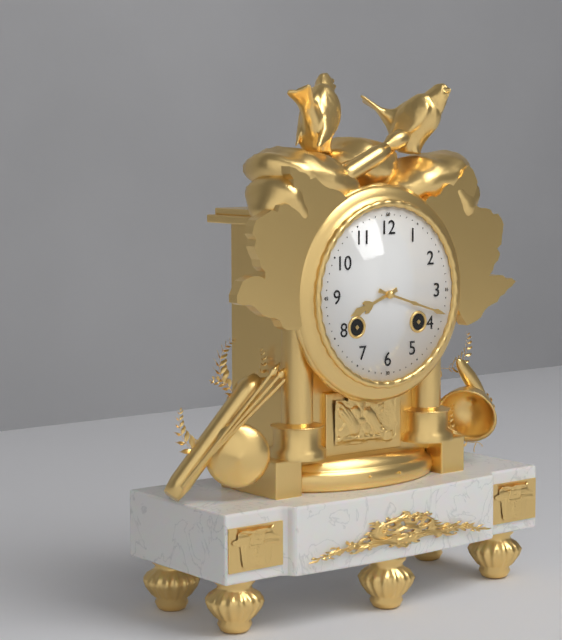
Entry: 8,18
